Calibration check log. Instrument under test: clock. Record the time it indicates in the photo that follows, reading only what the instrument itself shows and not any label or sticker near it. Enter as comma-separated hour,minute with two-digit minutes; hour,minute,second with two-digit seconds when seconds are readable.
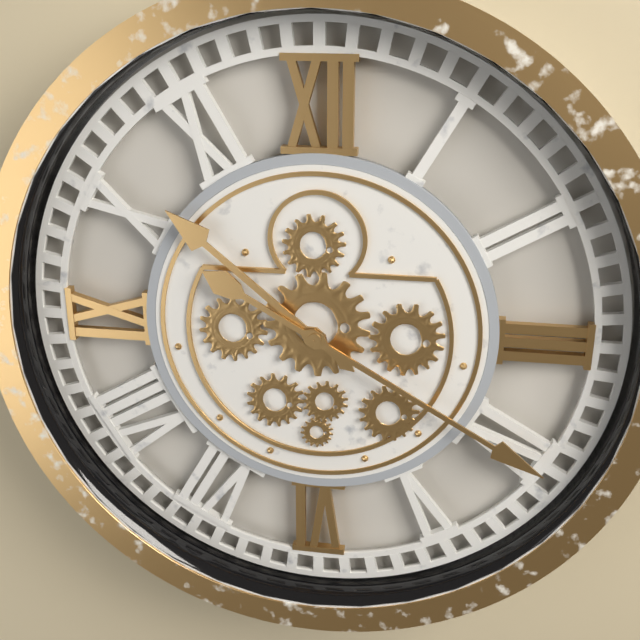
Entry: 10,20
